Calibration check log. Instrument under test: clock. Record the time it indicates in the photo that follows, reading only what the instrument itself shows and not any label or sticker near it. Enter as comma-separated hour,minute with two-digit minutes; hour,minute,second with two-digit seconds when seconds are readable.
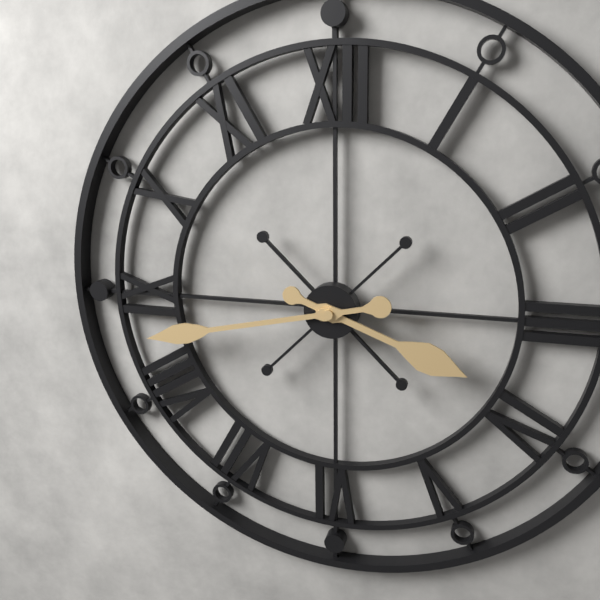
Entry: 3,43
